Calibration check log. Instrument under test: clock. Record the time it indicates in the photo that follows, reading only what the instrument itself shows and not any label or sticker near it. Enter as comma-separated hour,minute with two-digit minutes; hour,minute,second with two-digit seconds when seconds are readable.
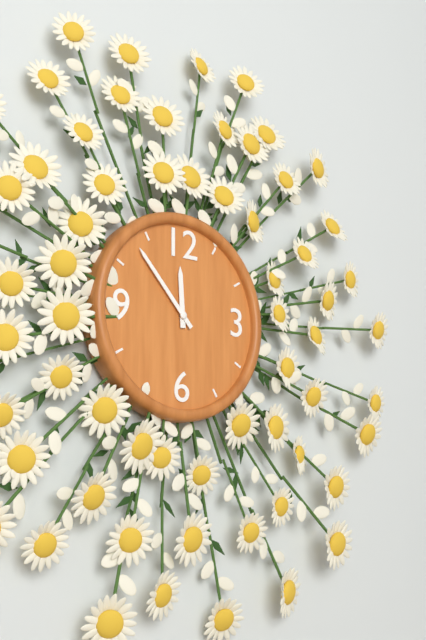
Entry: 11,53
